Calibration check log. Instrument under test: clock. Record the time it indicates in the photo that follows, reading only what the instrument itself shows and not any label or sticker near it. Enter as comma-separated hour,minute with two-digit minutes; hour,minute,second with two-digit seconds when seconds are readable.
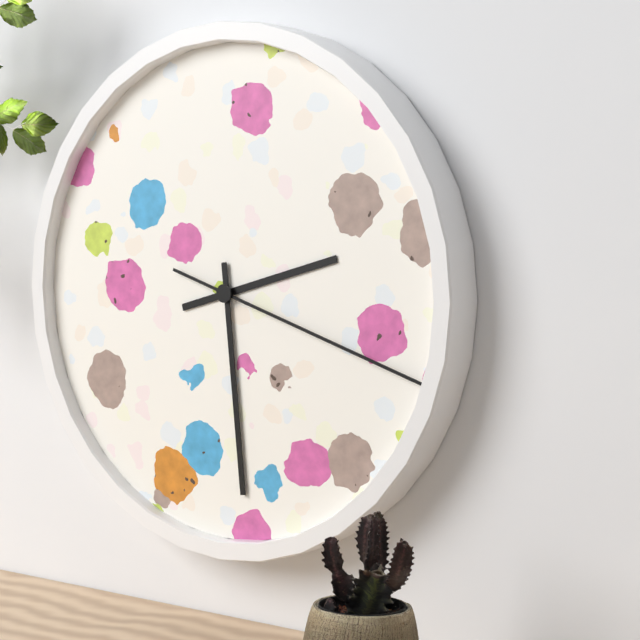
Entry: 2,29,18
